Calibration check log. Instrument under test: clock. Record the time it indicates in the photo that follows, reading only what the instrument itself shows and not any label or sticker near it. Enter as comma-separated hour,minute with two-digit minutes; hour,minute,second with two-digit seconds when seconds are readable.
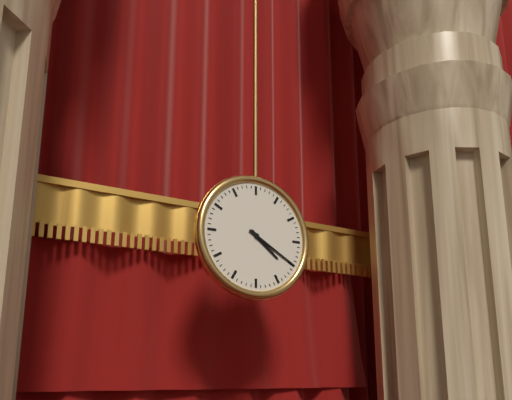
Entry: 4,20
